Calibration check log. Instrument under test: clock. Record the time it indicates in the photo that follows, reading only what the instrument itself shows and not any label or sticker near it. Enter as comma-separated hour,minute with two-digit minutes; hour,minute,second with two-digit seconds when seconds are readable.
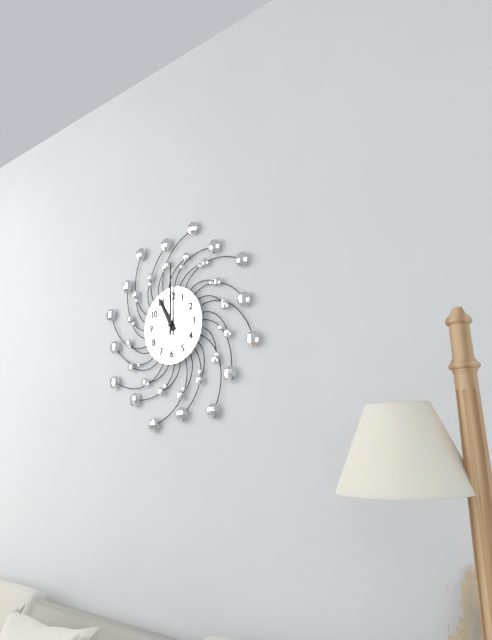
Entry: 11,00
